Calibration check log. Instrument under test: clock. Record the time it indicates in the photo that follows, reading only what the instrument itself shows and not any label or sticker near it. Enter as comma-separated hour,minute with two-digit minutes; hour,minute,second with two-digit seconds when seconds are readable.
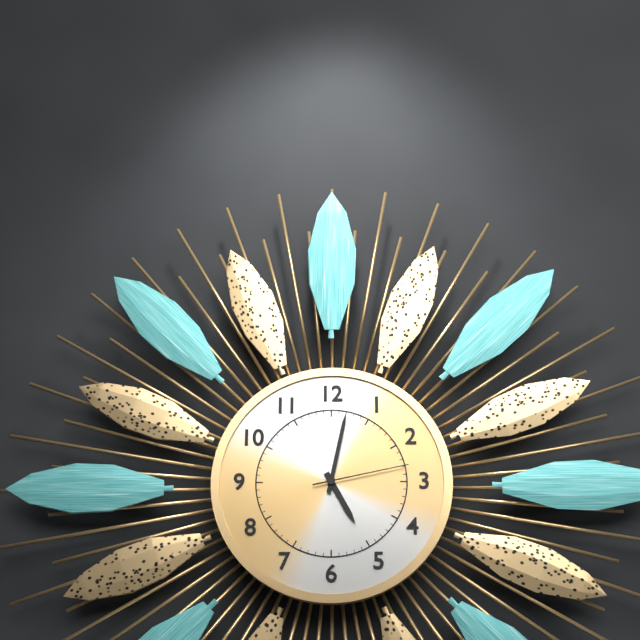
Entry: 5,02,13
